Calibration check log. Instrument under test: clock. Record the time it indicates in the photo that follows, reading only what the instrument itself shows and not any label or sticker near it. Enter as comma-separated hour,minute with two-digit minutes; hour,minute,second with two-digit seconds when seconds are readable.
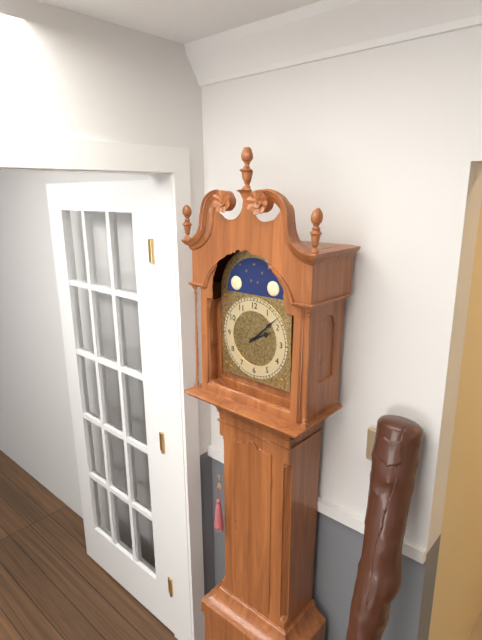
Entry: 2,08
